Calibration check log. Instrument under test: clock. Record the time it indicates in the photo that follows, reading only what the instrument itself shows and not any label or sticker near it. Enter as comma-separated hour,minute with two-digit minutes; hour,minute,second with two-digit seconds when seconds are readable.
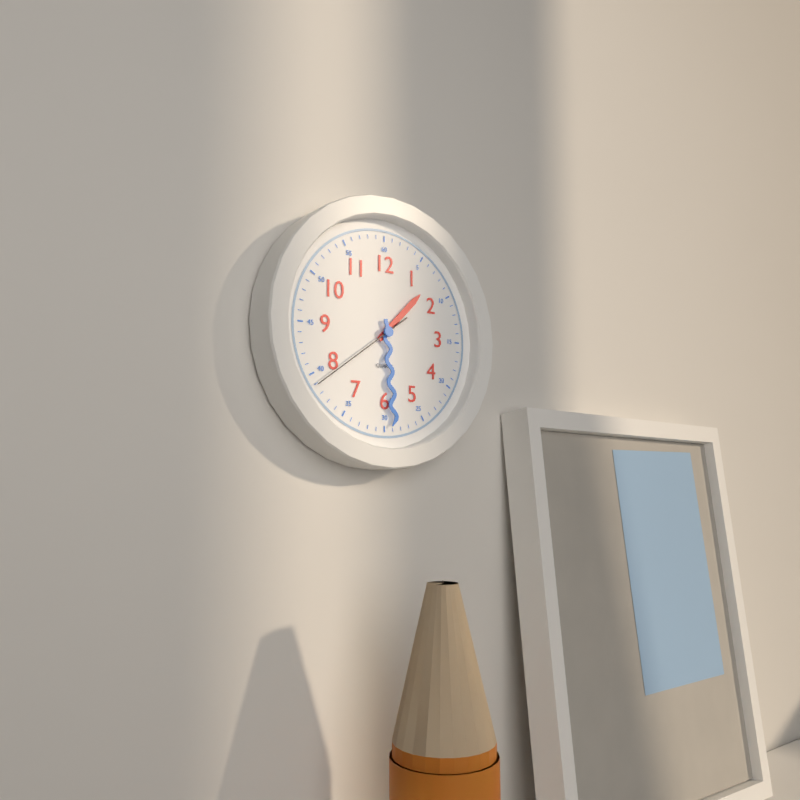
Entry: 1,29,39
